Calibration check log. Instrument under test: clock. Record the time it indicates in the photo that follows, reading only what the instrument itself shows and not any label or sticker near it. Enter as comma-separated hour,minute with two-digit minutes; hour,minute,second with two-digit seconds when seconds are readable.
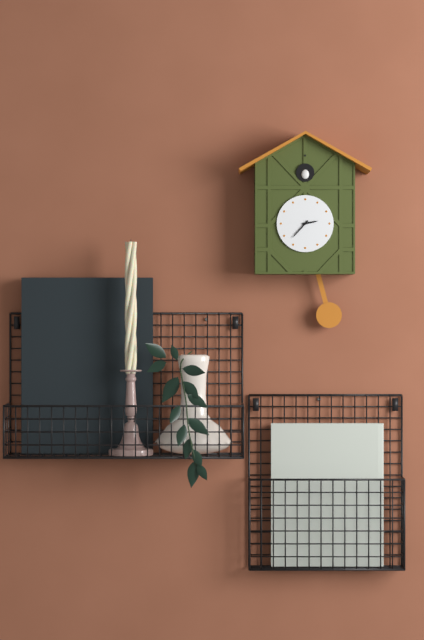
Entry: 2,37
